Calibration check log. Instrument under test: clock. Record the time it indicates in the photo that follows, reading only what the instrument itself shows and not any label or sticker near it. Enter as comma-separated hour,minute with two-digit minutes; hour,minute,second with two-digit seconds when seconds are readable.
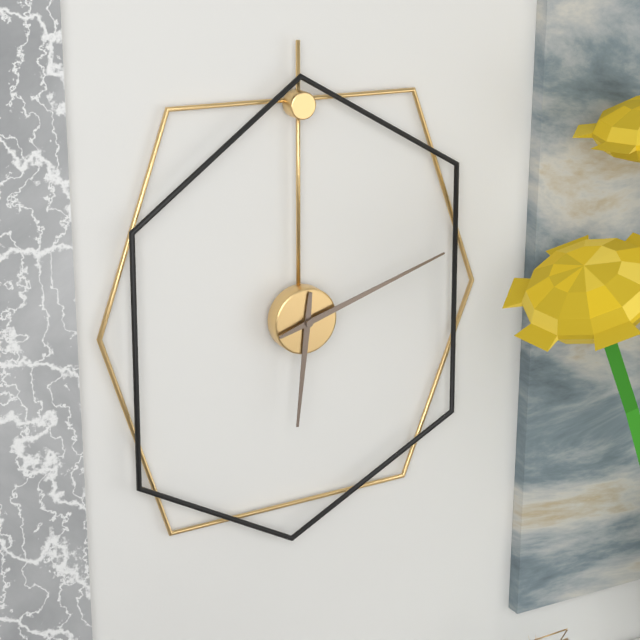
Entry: 6,12
